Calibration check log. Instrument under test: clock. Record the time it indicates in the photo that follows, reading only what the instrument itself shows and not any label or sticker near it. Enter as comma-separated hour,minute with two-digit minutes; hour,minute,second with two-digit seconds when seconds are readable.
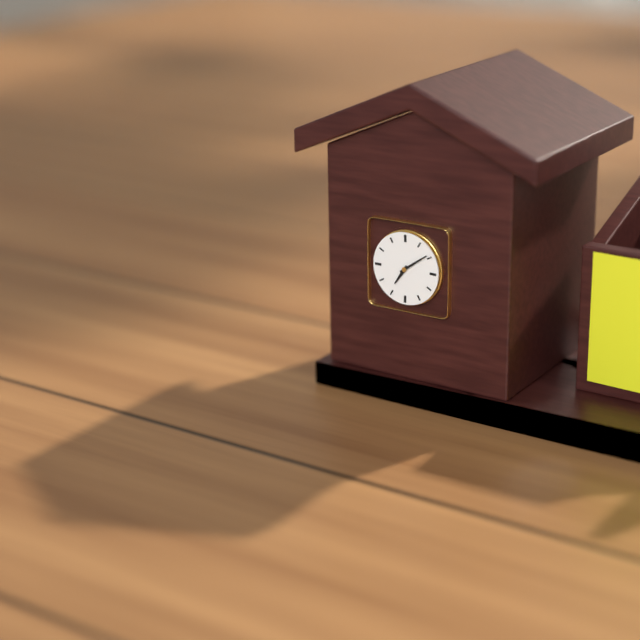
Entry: 7,09
